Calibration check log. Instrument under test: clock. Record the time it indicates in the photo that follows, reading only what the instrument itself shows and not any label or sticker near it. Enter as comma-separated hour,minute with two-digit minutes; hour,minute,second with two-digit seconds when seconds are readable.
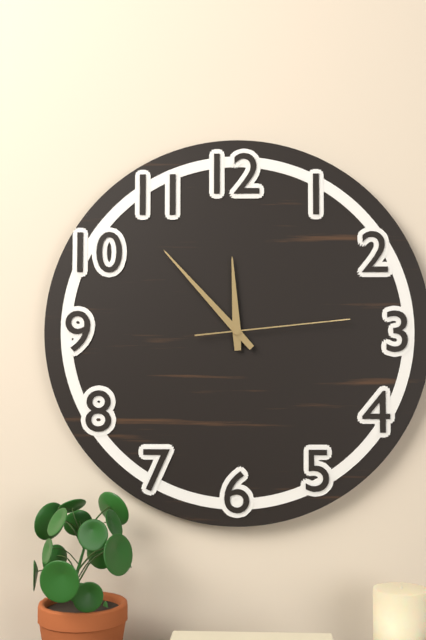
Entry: 11,53,14
